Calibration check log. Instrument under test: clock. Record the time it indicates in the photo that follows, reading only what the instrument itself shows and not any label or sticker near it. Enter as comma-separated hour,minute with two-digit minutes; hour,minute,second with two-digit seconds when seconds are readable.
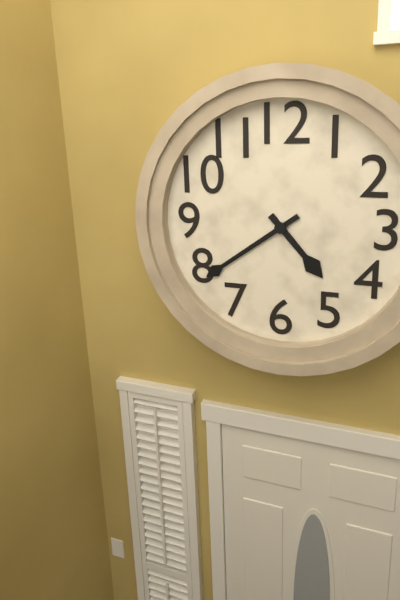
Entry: 4,39
